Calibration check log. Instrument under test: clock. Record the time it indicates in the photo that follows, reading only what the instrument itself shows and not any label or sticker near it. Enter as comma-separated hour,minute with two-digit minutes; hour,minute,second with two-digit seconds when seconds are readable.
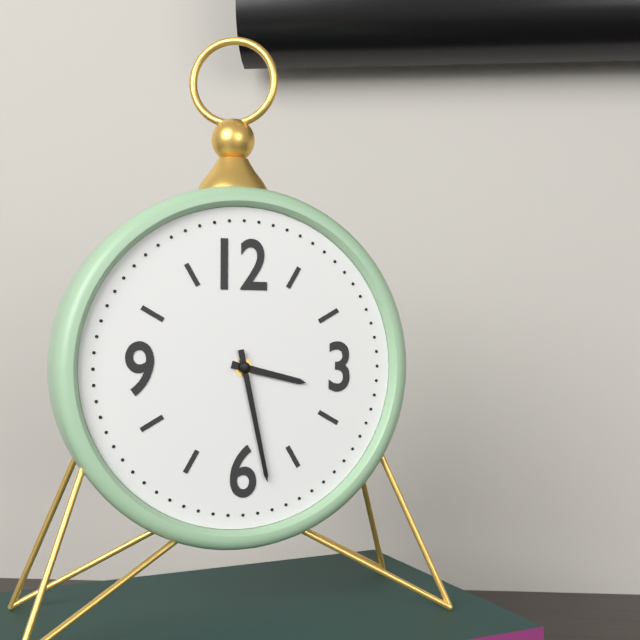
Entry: 3,28
